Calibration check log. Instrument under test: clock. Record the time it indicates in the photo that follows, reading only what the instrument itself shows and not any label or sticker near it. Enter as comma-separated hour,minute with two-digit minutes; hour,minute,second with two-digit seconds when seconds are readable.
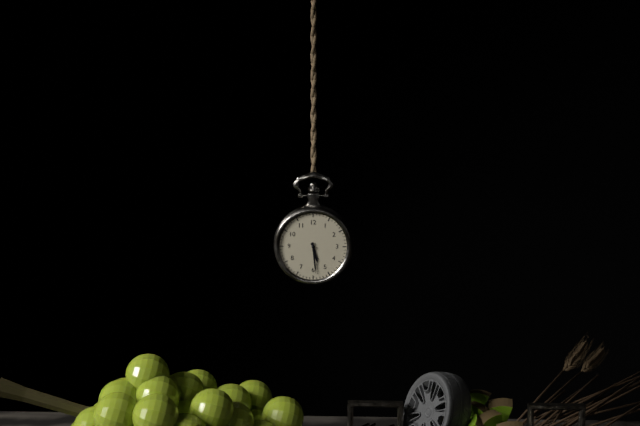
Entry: 5,29
